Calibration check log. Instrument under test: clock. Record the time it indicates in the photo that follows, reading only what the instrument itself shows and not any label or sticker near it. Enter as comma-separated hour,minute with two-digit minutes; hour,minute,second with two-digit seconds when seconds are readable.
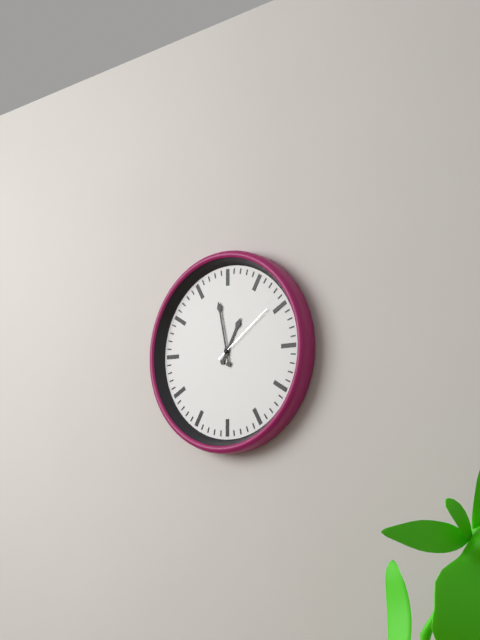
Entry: 12,58,09
